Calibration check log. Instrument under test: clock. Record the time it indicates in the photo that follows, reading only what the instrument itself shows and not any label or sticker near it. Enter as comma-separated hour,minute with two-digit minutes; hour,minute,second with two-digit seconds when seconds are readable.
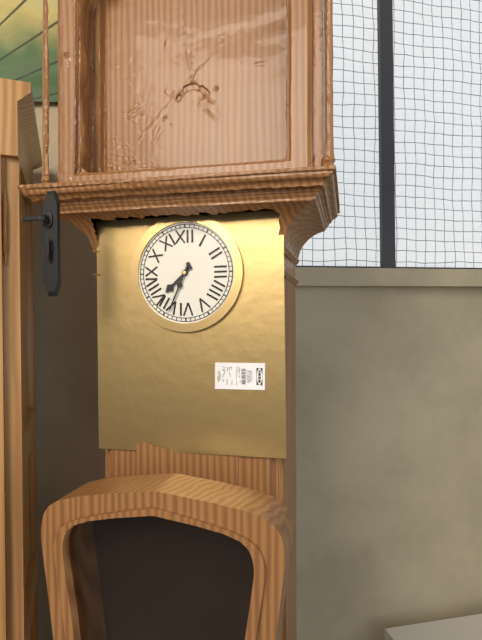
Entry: 7,34
